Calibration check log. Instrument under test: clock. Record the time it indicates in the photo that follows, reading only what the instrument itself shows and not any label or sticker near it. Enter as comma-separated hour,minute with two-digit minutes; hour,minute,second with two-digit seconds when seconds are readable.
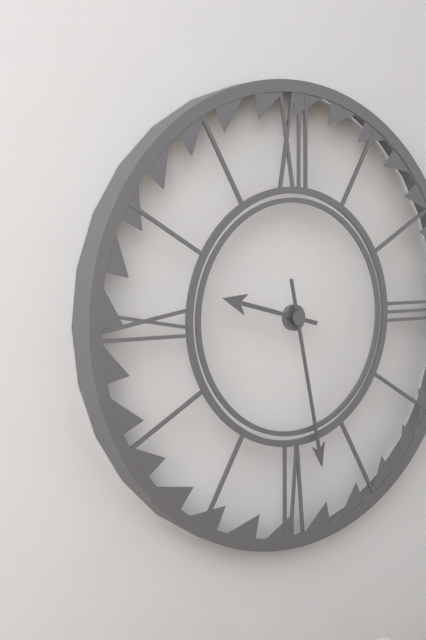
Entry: 9,28
